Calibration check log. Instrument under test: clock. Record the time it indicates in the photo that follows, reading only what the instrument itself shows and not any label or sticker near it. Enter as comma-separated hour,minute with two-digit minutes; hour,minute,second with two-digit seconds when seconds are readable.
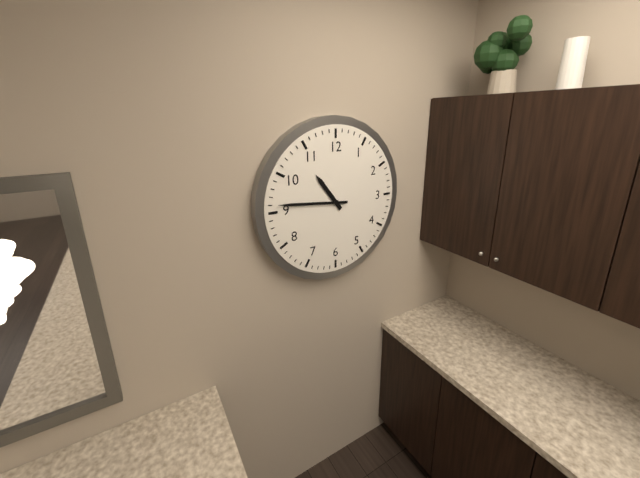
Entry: 10,46
